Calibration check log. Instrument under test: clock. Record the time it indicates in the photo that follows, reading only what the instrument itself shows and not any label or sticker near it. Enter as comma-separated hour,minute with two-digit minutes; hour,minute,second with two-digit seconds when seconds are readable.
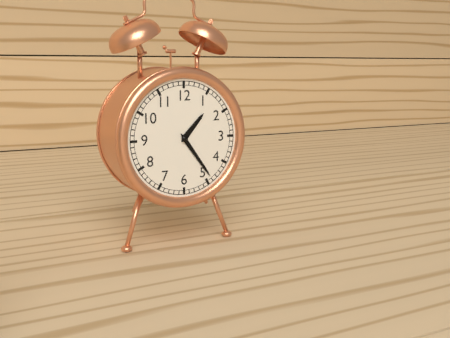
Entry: 1,24
